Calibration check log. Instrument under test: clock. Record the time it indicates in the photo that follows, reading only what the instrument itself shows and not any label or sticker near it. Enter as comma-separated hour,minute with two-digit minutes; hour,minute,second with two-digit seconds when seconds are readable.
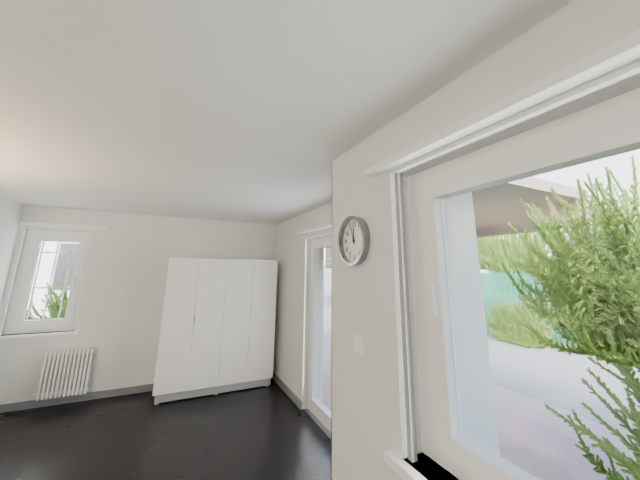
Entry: 11,57
